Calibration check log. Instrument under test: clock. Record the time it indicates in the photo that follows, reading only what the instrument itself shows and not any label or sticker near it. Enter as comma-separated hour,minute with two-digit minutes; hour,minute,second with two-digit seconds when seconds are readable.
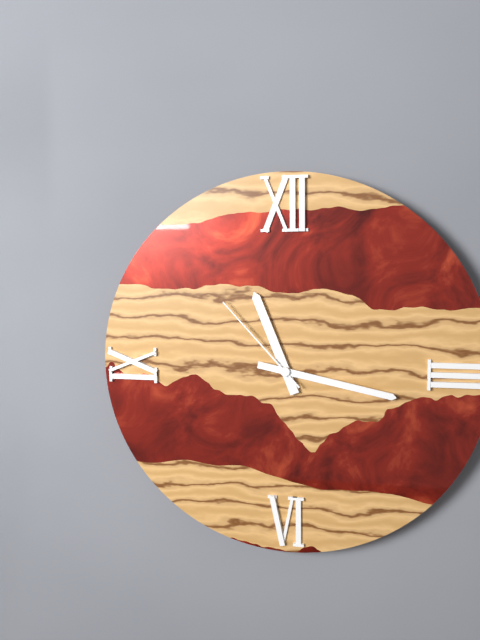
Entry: 11,17,53
